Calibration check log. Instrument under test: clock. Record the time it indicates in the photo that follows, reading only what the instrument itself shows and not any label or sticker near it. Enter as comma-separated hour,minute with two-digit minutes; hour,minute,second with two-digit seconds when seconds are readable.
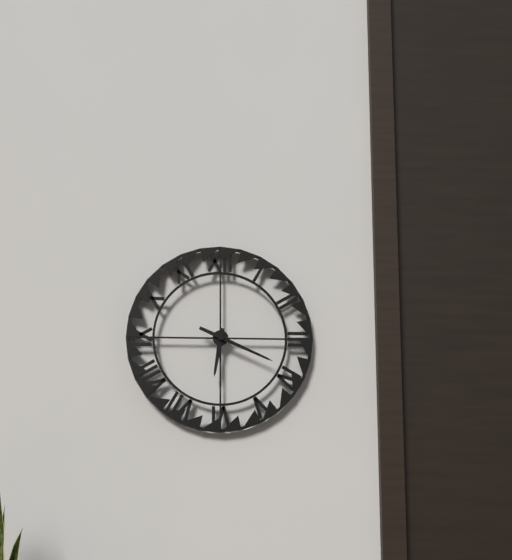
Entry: 6,19
